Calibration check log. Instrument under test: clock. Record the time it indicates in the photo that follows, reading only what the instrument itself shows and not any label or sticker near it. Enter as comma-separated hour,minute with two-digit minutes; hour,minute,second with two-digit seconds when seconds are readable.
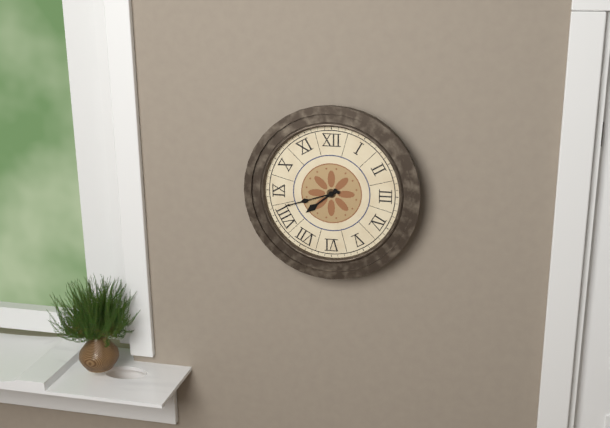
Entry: 7,42
